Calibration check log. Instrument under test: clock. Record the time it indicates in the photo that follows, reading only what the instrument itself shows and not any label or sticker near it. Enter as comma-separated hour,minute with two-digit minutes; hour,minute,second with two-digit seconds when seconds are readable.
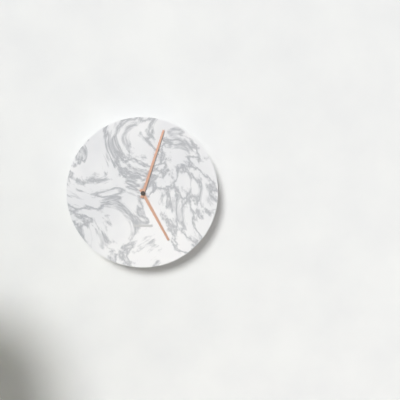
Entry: 5,03
